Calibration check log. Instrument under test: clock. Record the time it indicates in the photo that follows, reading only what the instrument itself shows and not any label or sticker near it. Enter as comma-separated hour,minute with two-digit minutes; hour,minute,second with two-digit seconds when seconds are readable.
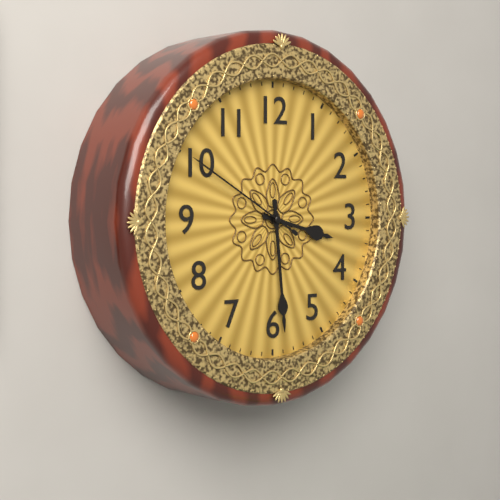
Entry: 3,29,50
